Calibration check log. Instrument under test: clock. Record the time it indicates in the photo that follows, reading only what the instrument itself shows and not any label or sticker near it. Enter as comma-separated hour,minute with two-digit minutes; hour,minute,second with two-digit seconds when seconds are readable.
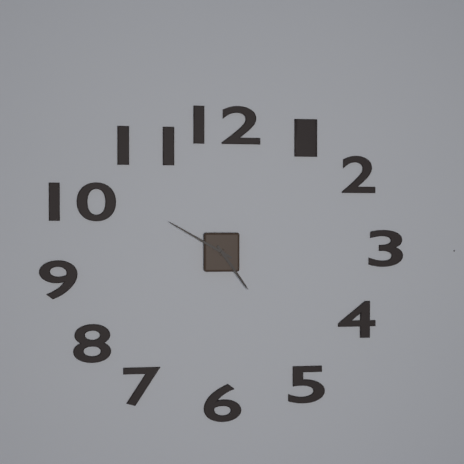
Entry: 4,50
